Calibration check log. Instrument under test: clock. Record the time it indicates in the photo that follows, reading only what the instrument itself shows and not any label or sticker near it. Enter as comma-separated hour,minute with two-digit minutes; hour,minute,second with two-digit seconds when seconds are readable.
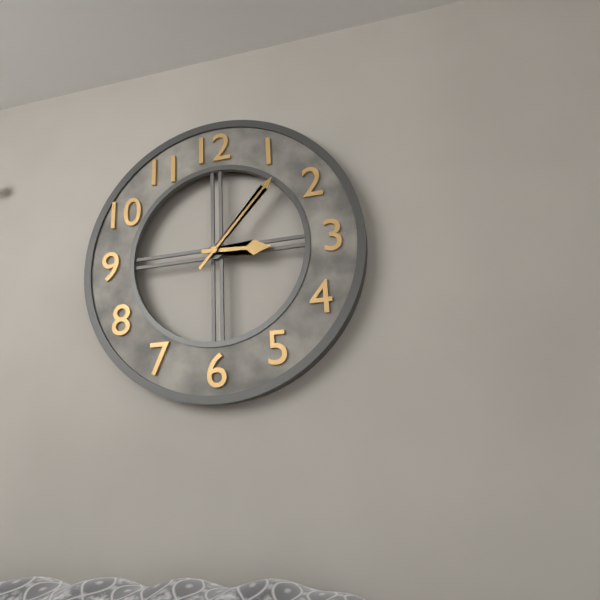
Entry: 3,07
